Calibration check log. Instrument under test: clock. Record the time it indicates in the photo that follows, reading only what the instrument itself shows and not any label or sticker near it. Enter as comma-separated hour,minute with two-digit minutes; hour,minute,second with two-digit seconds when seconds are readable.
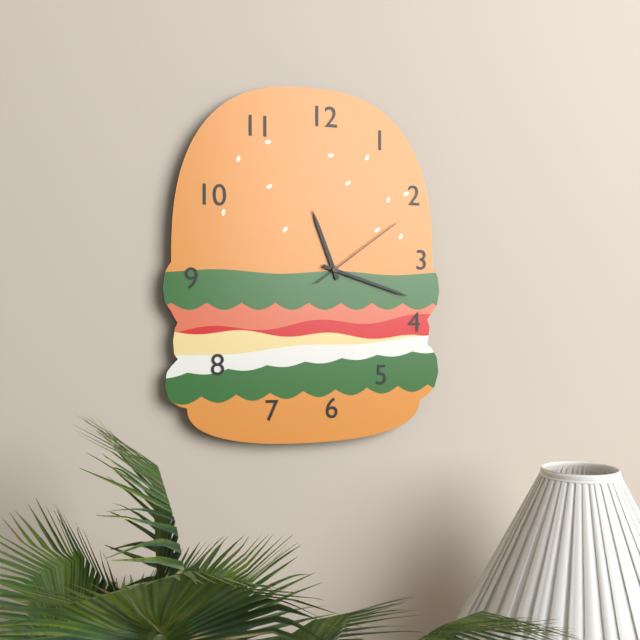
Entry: 11,18,09
